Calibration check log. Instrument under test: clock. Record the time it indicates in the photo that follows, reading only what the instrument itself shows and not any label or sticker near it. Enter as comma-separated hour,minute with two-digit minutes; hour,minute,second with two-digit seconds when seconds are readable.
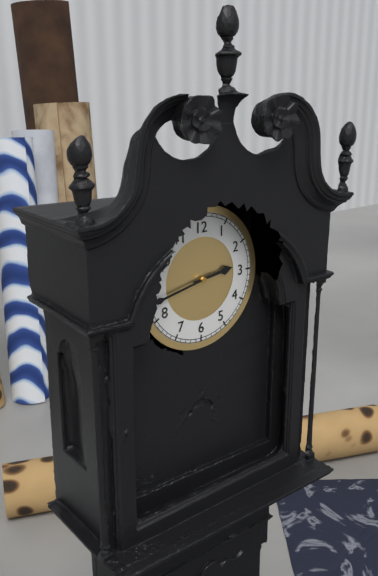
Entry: 2,43
